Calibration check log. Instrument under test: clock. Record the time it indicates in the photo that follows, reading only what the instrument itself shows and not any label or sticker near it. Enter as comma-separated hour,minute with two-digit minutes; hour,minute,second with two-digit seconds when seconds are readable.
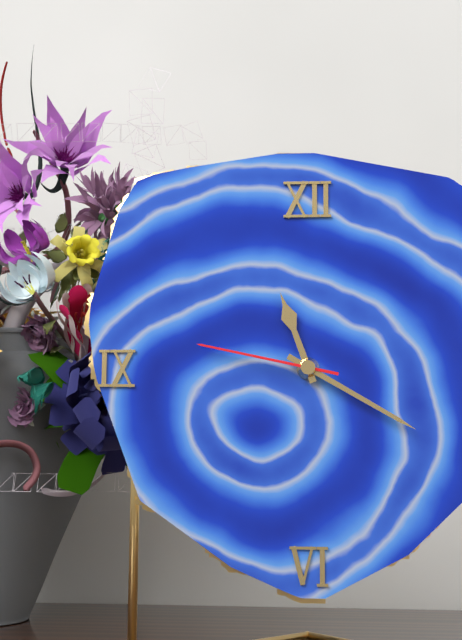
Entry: 11,20,47
